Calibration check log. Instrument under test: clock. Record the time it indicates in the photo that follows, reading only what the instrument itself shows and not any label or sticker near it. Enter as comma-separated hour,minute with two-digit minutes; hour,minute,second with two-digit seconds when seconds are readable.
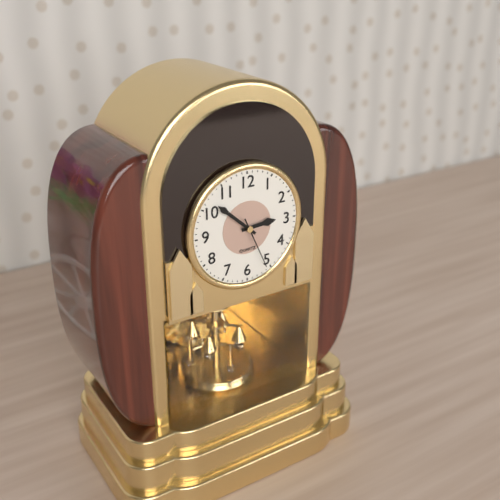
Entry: 2,52,26
